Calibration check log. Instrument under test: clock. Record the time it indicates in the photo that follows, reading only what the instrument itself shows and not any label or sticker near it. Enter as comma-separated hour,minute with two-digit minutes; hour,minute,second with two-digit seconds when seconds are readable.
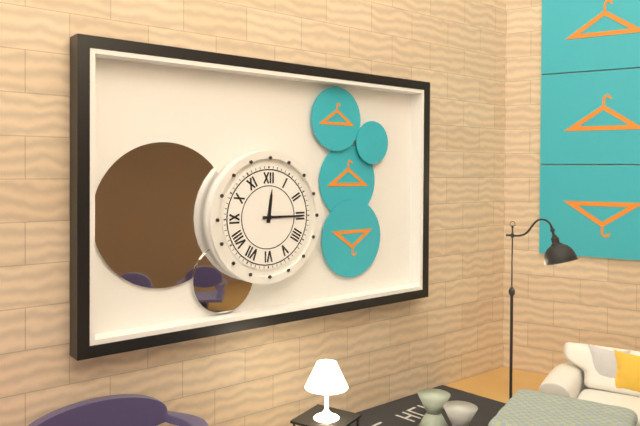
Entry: 12,15
